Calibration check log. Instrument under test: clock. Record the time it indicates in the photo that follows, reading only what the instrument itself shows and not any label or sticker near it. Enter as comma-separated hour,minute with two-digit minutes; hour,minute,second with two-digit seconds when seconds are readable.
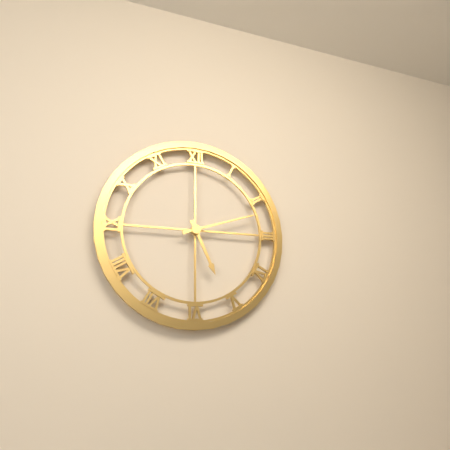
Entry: 5,12
